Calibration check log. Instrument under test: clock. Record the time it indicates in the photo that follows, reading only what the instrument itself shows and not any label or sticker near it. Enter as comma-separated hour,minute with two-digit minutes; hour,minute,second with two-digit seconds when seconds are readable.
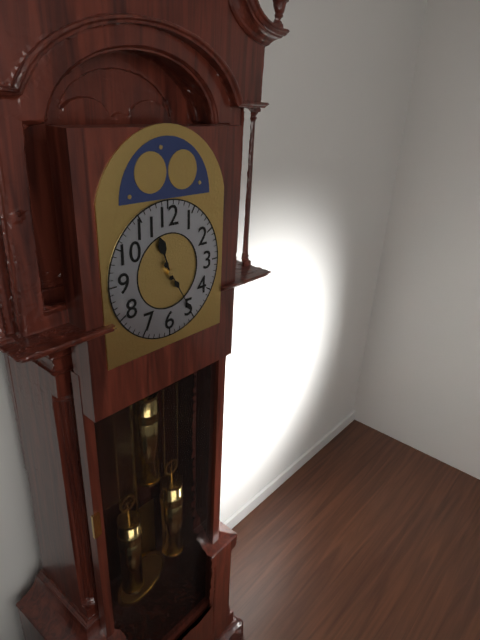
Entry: 11,25
